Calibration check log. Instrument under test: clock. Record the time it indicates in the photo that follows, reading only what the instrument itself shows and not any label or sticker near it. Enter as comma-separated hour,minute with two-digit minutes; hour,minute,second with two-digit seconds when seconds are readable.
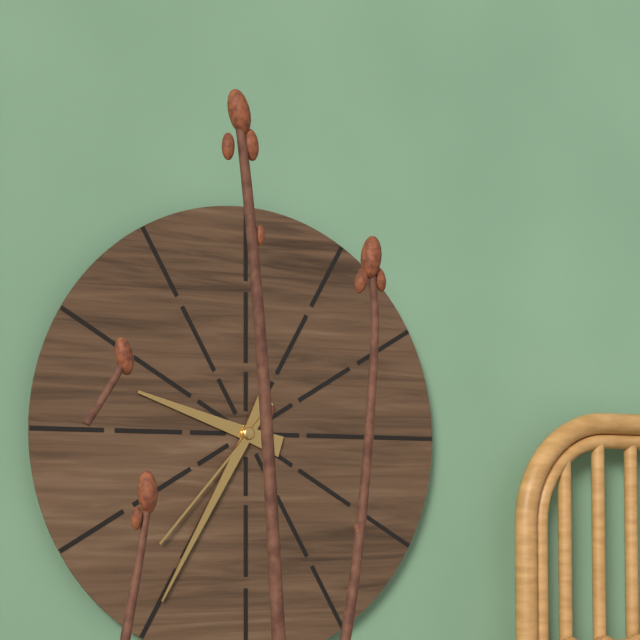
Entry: 9,35,37
